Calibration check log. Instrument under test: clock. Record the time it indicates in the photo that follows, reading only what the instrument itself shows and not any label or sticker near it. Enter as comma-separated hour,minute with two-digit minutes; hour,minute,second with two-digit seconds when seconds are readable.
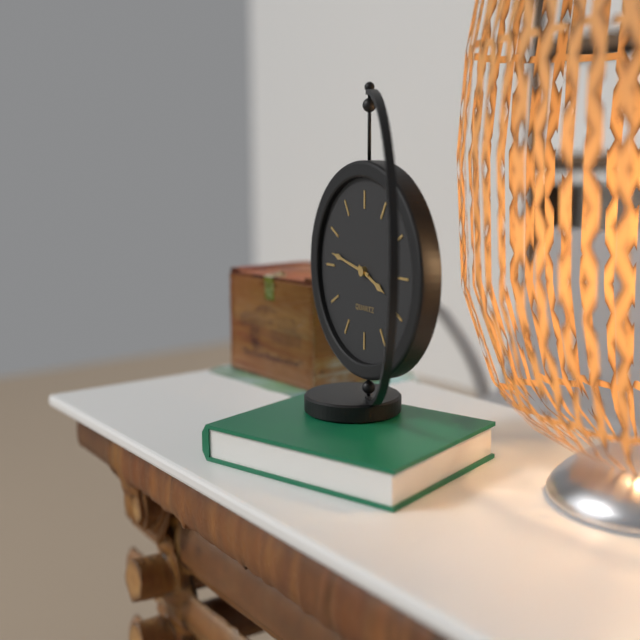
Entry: 3,47
